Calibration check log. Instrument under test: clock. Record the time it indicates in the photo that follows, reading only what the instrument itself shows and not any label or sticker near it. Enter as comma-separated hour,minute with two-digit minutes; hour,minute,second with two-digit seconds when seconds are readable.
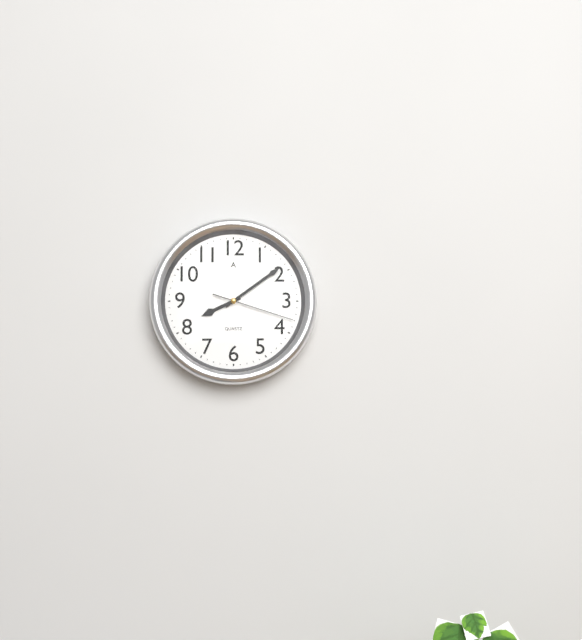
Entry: 8,09,18
